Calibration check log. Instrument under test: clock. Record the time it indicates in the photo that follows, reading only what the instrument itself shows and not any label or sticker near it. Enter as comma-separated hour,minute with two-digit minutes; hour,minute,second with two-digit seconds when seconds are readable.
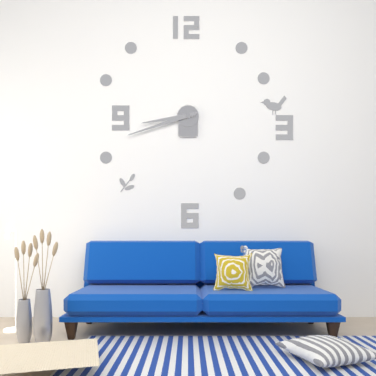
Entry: 8,42
